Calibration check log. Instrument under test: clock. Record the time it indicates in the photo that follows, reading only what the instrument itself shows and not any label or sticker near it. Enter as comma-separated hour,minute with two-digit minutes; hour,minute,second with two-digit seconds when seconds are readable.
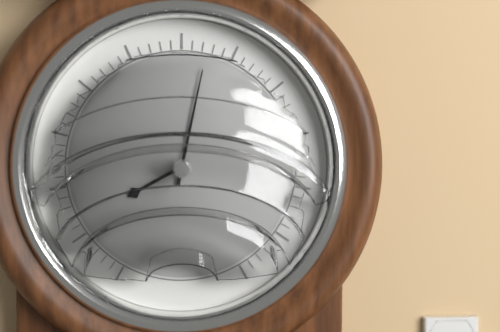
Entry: 8,02
